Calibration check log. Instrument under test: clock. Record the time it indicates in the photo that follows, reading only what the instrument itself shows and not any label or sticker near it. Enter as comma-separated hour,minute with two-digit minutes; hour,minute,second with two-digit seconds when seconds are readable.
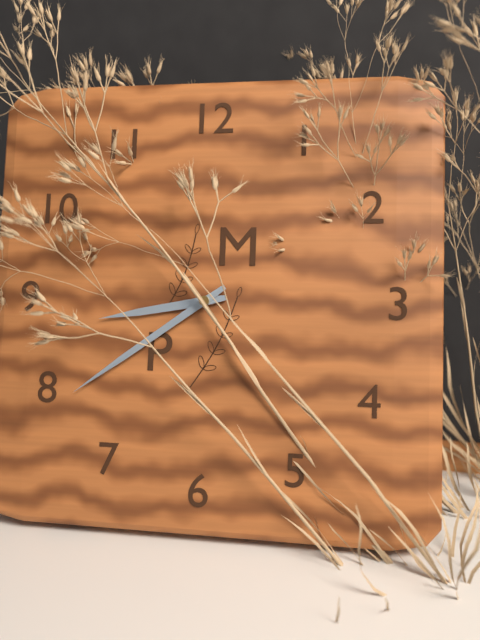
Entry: 8,39
